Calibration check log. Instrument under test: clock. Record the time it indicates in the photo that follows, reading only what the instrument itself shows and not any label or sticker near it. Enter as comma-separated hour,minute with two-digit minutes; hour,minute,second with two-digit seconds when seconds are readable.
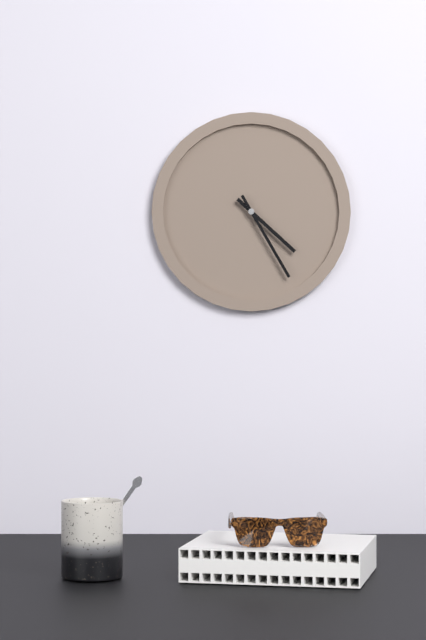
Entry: 4,25
